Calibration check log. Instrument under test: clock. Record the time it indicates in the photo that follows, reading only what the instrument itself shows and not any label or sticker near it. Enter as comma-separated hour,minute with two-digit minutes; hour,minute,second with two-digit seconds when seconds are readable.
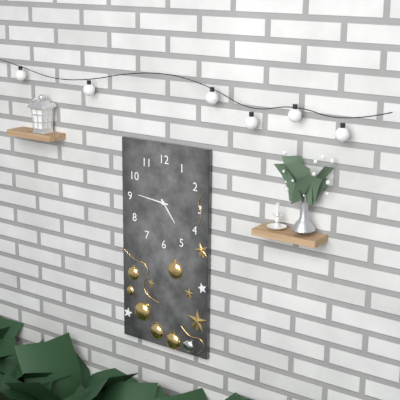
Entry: 4,46
